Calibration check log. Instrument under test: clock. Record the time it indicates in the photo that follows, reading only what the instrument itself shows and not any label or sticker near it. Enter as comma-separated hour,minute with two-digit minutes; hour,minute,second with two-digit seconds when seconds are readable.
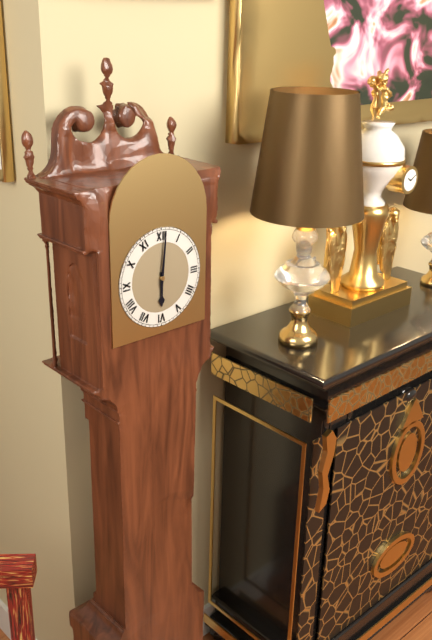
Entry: 6,01
